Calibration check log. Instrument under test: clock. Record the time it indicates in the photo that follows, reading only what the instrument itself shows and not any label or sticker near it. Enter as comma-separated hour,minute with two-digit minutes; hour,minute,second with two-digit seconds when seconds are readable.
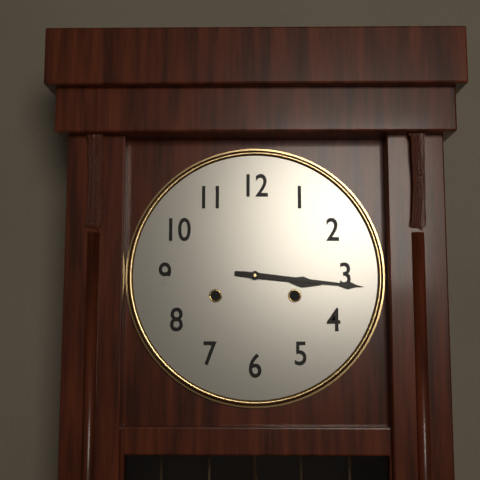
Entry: 3,16
